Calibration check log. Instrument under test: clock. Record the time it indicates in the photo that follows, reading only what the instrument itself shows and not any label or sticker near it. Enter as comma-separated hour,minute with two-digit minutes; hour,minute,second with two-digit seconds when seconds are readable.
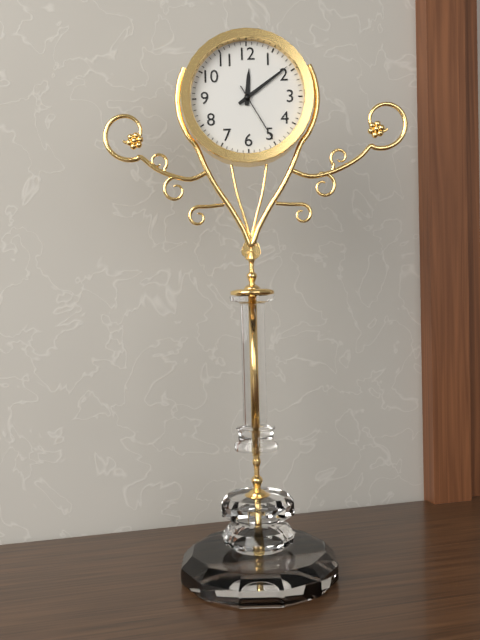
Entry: 12,09,25
